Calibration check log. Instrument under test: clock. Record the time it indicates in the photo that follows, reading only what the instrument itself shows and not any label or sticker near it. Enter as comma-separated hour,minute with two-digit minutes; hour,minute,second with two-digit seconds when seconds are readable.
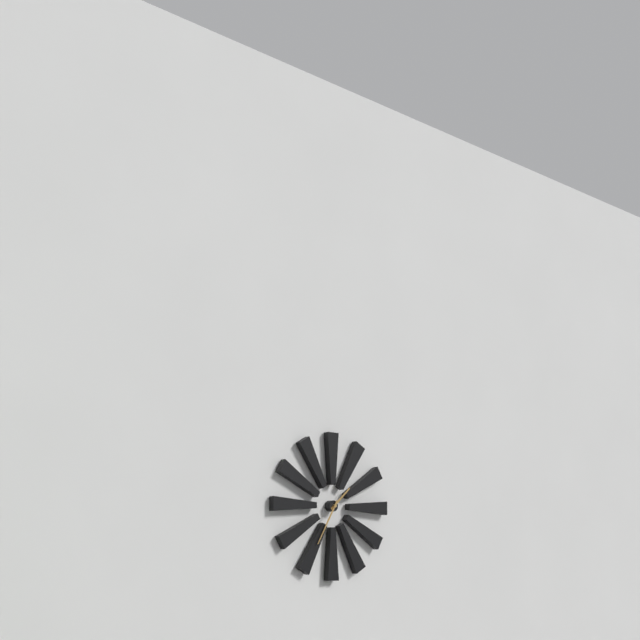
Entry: 1,35
